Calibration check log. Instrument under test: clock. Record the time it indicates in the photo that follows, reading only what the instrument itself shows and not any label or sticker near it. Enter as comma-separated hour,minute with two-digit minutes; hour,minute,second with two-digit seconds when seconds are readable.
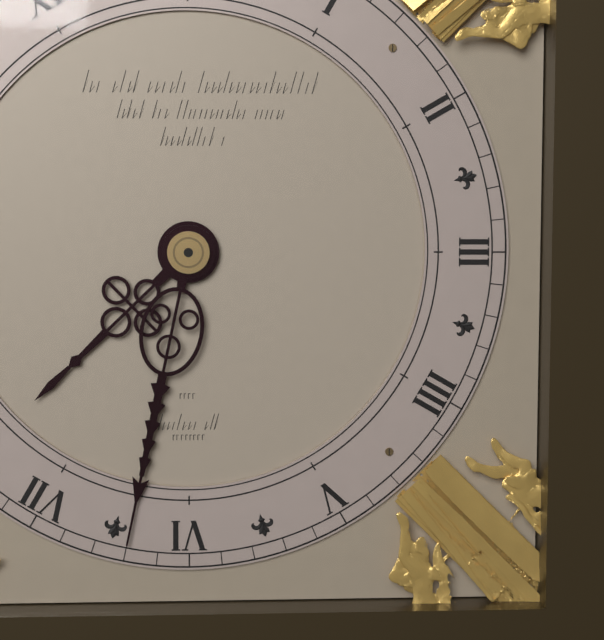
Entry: 7,32
